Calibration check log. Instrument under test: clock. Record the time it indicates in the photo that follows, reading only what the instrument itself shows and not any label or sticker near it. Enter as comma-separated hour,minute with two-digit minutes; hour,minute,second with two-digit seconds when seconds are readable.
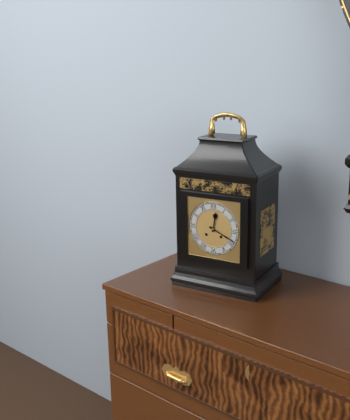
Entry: 12,19
